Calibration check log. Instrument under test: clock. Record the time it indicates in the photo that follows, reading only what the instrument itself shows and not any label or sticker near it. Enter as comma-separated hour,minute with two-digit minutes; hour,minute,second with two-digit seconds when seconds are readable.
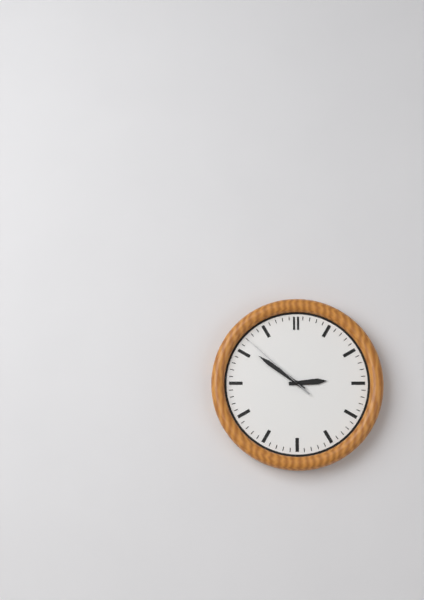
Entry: 2,51,52
